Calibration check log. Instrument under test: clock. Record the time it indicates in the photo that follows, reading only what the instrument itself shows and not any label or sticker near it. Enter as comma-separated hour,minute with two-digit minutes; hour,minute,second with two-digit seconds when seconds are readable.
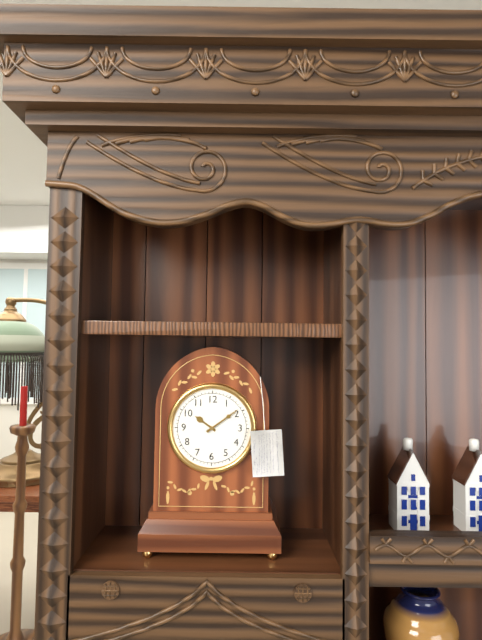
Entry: 10,09
